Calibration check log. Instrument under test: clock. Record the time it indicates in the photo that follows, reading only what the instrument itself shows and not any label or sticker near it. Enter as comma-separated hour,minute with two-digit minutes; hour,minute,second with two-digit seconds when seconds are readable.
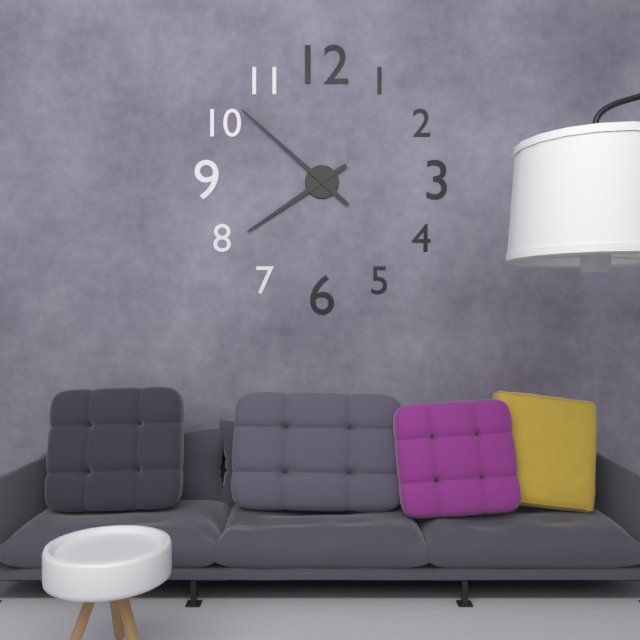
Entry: 7,52
